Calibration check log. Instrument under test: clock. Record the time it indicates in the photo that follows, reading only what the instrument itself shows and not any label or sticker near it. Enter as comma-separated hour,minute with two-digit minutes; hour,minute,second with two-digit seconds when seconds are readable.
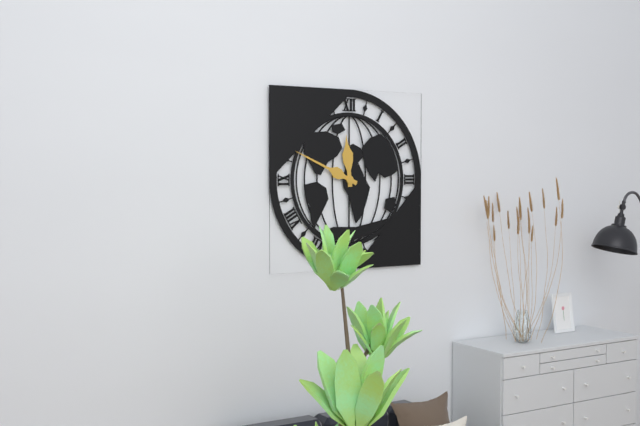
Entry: 11,49
